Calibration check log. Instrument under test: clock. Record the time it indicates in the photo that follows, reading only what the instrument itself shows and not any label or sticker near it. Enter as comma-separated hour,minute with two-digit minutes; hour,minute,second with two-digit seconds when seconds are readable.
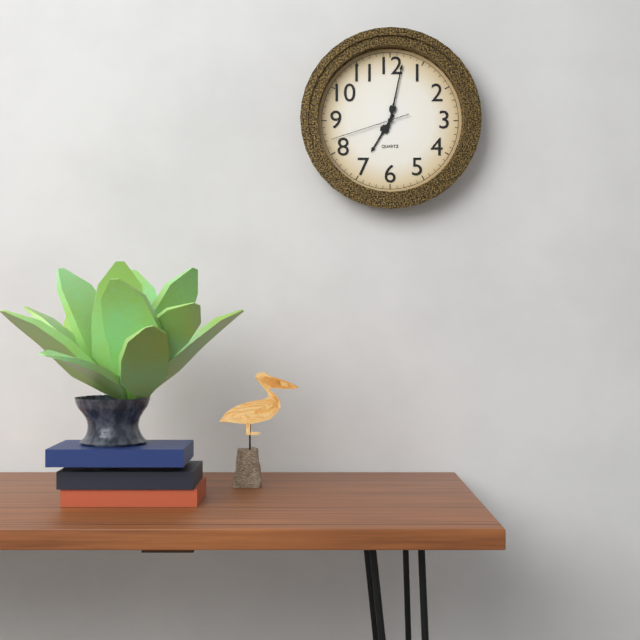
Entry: 7,02,42
